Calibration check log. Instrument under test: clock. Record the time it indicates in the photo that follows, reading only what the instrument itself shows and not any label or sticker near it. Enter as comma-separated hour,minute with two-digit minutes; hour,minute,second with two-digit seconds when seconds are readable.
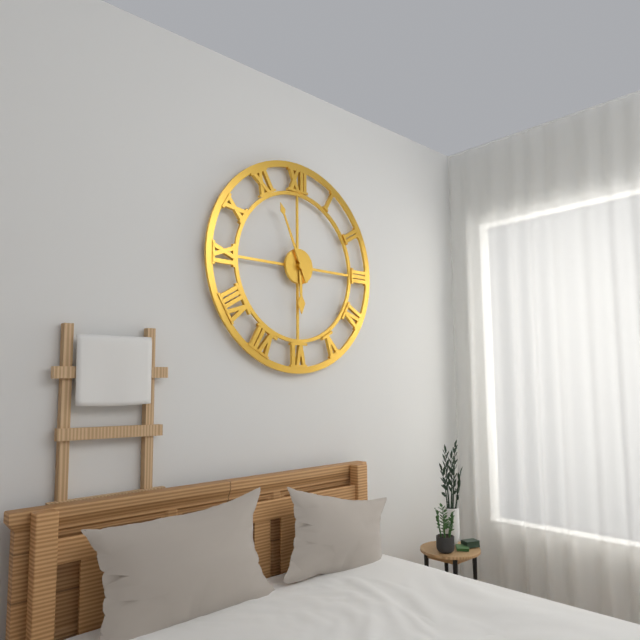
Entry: 5,56
